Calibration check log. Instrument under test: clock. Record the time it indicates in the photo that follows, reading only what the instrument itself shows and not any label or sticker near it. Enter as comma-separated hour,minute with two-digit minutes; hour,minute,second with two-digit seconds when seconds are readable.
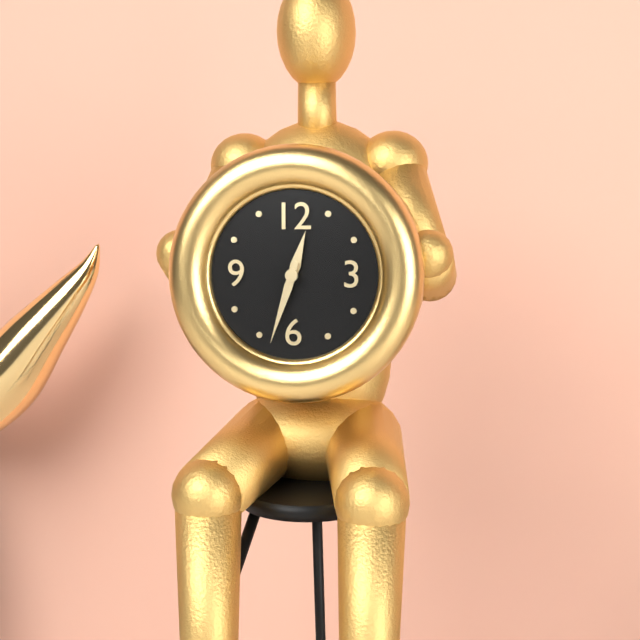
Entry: 12,33
